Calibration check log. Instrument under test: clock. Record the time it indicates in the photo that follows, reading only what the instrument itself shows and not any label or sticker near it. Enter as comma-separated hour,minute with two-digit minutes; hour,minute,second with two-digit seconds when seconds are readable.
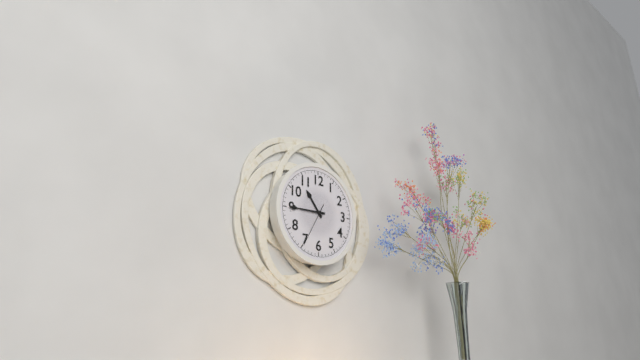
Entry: 10,45
